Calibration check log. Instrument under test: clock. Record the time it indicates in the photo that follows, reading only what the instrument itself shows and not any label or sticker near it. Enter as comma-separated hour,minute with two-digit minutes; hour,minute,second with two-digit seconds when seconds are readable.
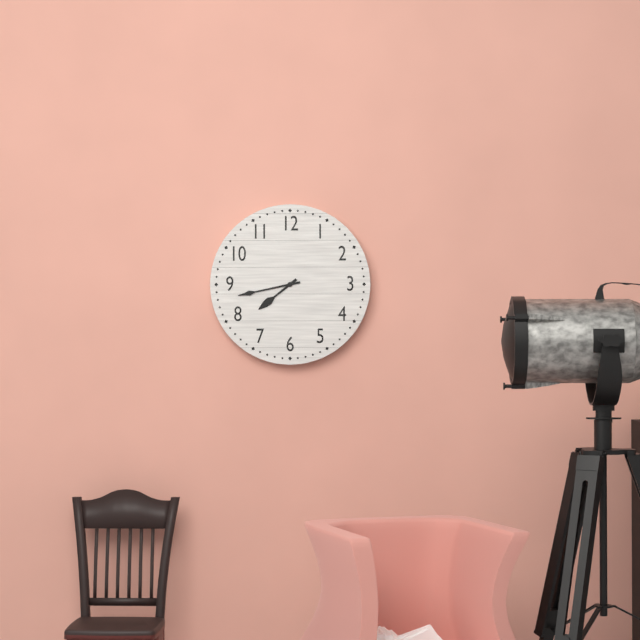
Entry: 7,43
